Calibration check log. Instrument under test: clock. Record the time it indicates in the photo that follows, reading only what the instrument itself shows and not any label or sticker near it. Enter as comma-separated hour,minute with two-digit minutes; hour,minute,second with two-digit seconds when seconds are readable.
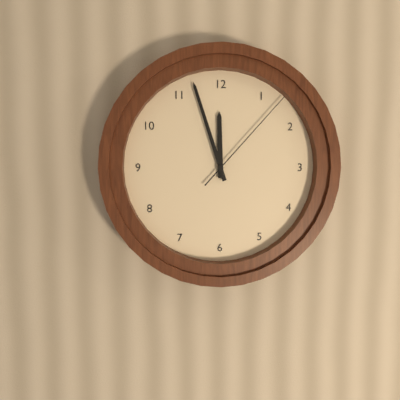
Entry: 11,57,07
